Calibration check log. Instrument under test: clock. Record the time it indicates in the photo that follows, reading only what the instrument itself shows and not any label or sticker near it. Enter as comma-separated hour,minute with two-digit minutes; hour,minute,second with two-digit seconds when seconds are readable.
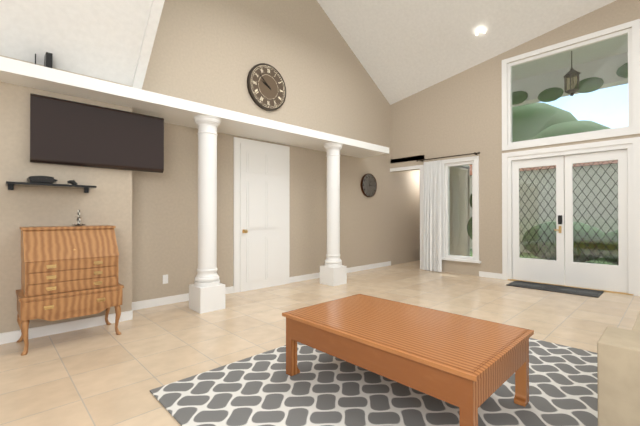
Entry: 9,52
